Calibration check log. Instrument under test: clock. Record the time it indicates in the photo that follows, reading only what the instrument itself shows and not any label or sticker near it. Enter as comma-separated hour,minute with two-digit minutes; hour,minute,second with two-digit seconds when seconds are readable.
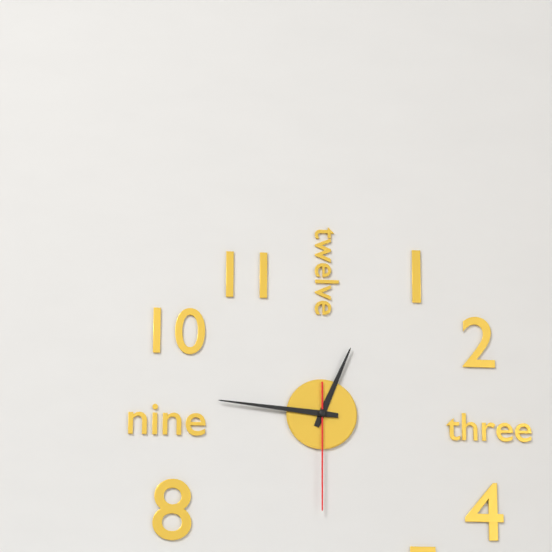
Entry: 12,46,30
